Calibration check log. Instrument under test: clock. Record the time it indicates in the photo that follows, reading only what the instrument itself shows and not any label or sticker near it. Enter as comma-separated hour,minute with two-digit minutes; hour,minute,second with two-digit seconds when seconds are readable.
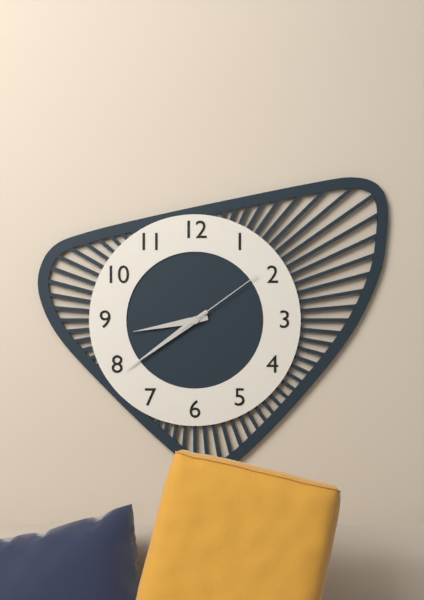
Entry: 8,39,09
